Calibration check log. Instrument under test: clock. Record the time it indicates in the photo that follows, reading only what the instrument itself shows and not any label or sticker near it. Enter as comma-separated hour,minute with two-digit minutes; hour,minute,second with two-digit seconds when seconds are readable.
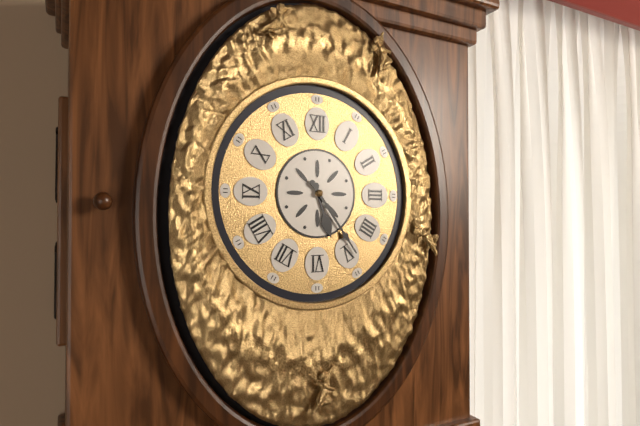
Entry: 5,24
